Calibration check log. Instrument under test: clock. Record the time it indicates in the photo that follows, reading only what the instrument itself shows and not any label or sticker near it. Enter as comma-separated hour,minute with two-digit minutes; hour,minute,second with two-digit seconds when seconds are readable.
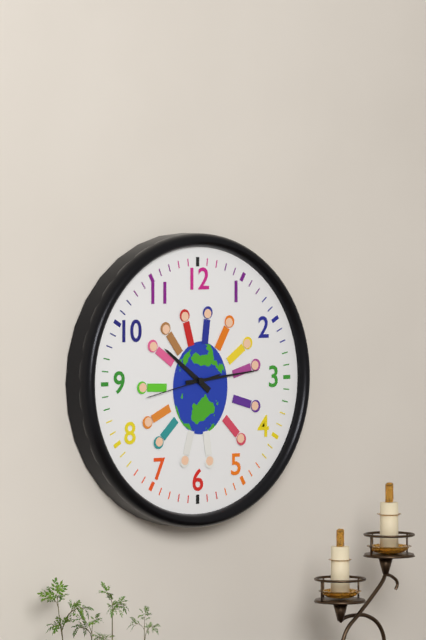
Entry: 10,14,43
